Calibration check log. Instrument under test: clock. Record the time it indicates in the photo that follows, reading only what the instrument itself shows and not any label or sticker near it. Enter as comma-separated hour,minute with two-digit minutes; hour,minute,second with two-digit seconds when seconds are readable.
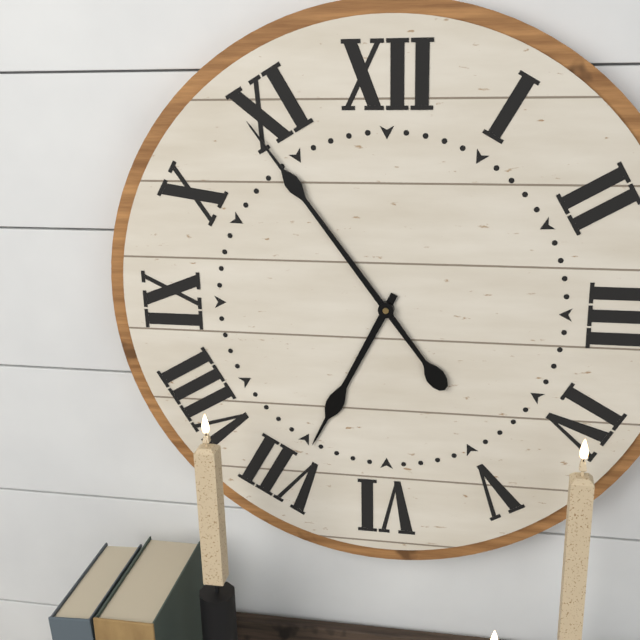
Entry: 6,54
